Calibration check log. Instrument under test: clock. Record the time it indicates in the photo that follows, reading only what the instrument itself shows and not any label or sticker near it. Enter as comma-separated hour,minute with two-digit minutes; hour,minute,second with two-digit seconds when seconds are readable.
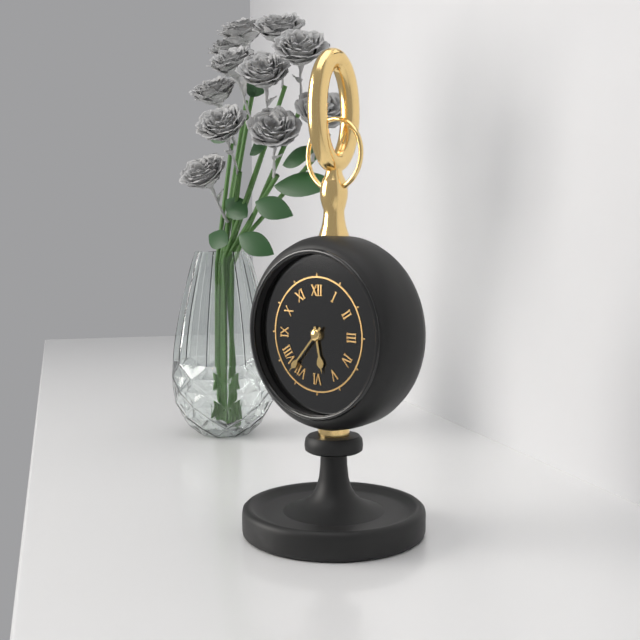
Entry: 5,37
